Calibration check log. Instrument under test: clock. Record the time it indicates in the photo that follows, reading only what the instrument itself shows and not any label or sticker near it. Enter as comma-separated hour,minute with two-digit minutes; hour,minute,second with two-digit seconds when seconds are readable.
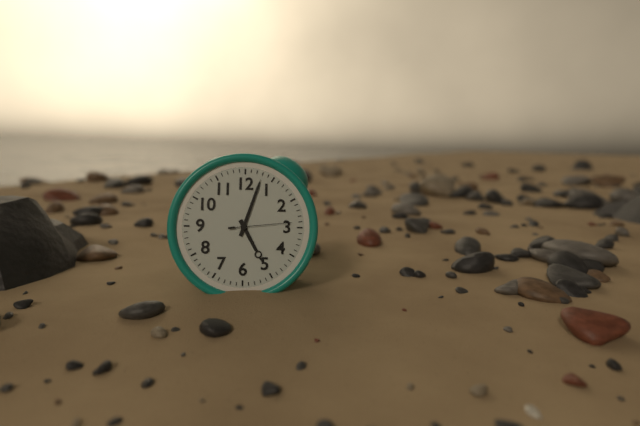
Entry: 5,03,14
